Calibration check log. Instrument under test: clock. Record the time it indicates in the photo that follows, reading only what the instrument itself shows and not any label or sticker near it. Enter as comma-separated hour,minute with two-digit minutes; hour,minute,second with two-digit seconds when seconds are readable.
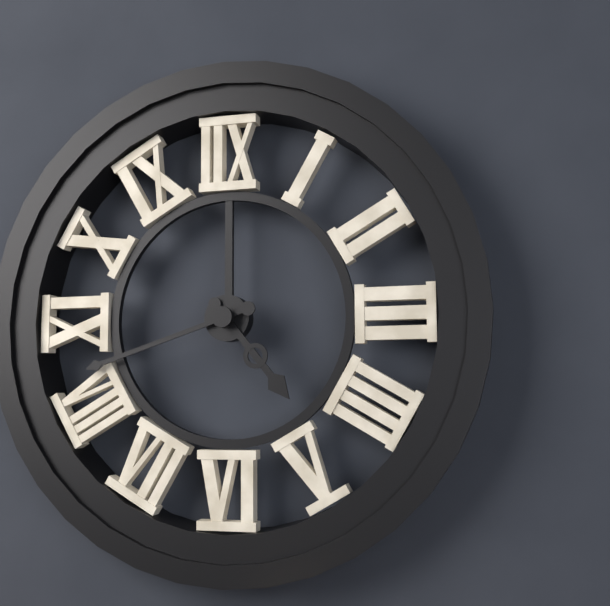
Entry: 4,42
